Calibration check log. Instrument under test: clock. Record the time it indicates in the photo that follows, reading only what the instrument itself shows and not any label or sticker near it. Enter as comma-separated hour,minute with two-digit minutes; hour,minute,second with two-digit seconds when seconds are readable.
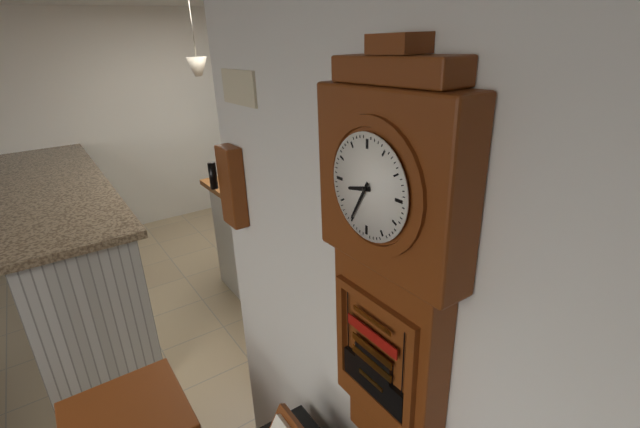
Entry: 8,35
